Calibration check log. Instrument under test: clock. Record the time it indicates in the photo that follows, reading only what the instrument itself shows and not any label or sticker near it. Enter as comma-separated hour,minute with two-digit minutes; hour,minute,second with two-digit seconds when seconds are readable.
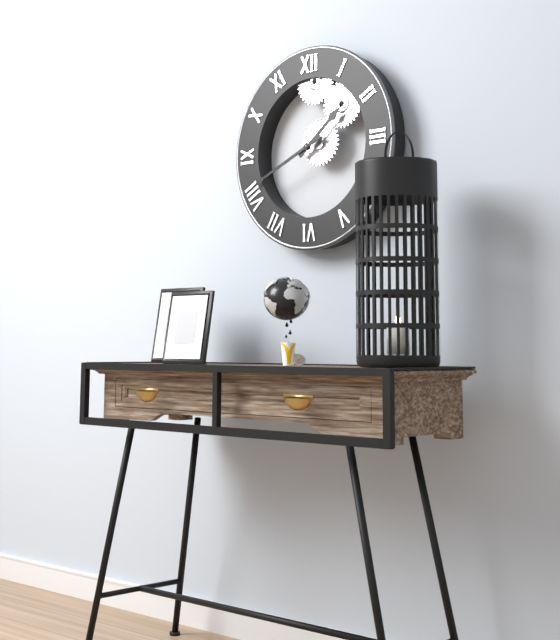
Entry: 1,41
